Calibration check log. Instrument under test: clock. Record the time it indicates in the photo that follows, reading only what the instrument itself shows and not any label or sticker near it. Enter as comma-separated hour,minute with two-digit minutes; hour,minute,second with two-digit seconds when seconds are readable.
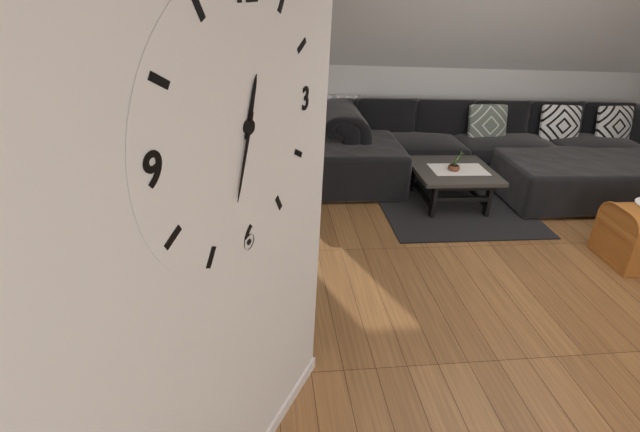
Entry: 12,33
